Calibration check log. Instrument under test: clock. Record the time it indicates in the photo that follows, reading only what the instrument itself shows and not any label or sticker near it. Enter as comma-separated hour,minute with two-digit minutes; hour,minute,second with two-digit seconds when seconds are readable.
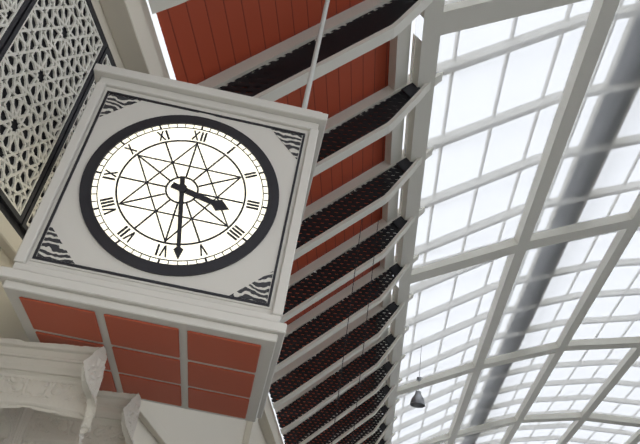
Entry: 3,28
